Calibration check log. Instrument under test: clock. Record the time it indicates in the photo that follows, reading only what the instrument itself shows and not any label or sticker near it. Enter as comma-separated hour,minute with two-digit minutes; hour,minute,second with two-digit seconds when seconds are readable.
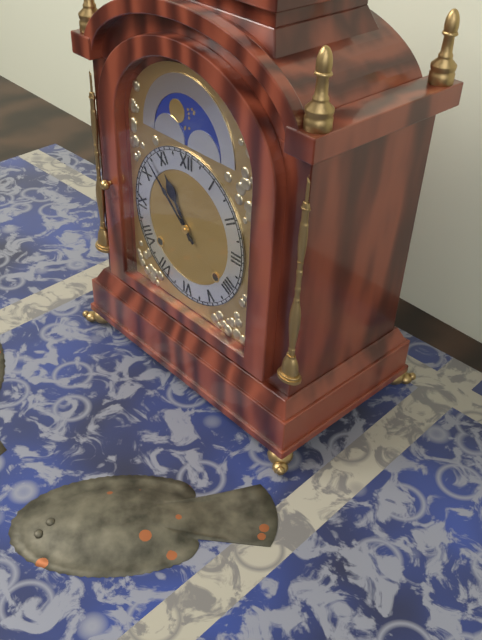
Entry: 10,52
